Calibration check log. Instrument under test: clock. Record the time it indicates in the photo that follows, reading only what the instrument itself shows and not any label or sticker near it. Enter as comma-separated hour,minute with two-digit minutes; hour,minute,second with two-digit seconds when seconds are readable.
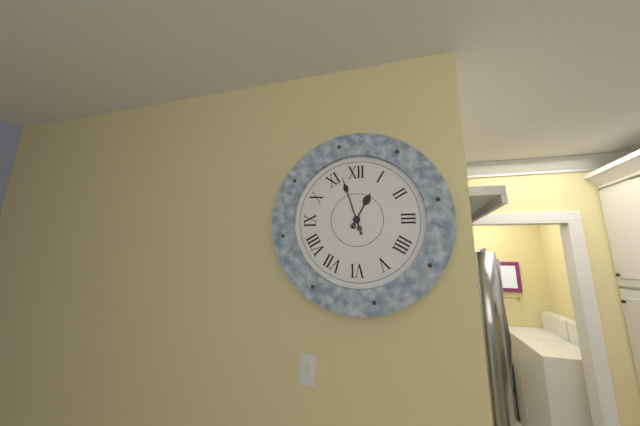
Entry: 12,57
